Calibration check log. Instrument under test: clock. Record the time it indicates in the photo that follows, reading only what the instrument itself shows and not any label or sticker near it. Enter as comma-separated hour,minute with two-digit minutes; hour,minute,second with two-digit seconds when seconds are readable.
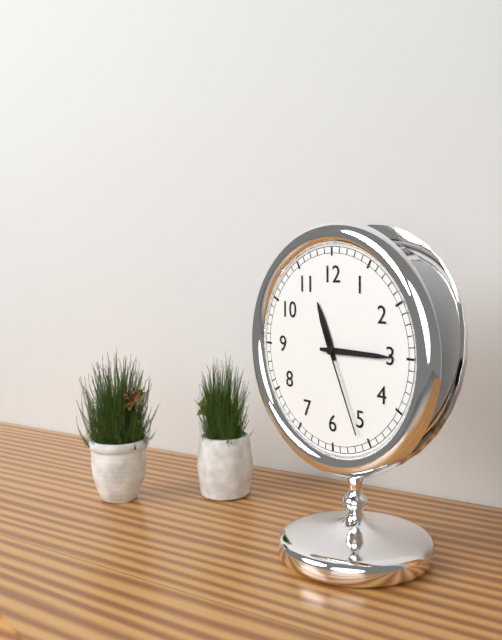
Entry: 11,15,26
